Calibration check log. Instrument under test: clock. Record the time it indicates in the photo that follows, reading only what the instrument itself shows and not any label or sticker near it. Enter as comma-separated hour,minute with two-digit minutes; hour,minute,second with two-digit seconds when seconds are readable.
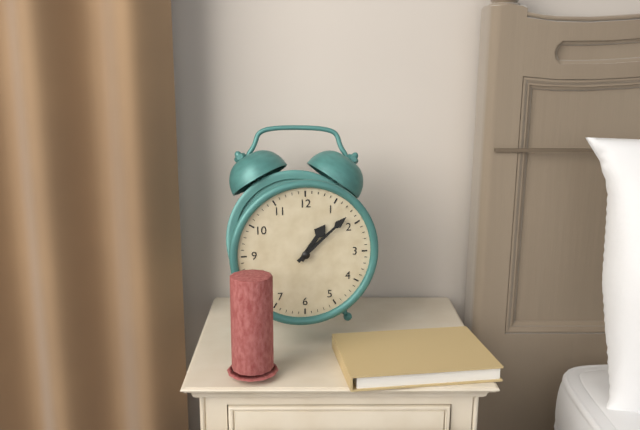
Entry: 1,08
